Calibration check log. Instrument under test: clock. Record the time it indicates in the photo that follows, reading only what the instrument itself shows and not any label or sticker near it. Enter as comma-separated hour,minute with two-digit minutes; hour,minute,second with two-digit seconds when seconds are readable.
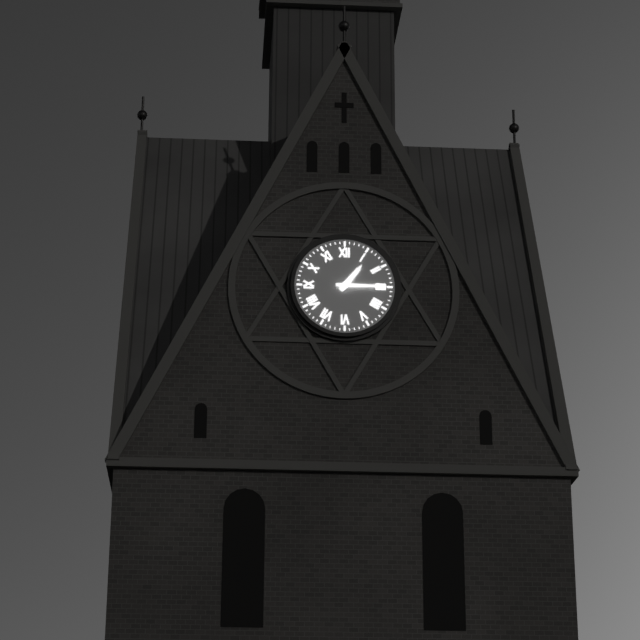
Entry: 1,15
